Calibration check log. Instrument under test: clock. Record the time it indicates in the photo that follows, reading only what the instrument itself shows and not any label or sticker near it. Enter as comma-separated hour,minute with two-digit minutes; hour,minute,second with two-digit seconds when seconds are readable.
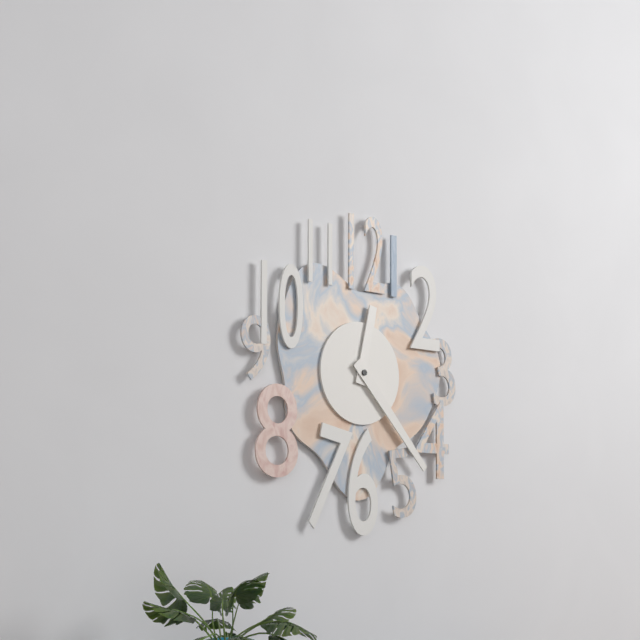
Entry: 12,23
